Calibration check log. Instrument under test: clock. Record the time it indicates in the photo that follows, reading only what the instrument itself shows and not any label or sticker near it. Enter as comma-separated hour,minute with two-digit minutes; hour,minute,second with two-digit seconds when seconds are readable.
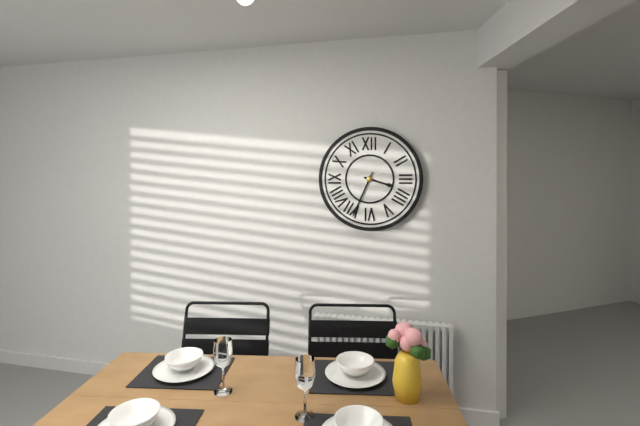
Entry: 3,34
